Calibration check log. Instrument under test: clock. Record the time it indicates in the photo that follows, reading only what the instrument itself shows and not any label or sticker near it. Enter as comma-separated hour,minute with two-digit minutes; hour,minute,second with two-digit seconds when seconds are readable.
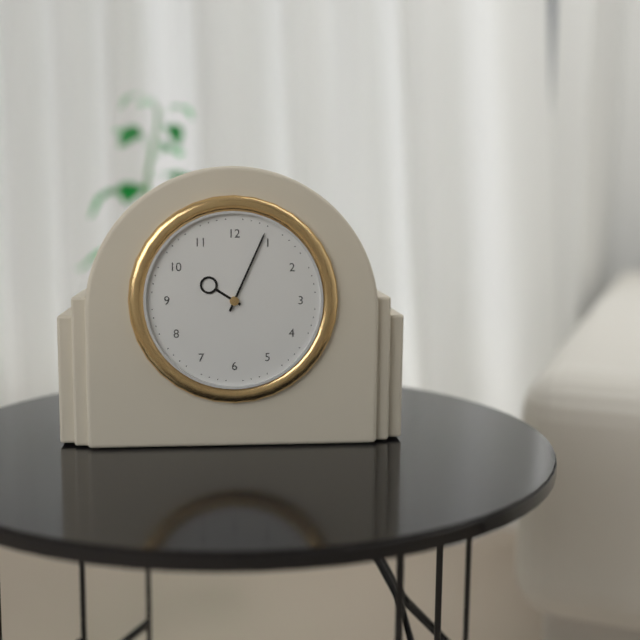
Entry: 10,04
